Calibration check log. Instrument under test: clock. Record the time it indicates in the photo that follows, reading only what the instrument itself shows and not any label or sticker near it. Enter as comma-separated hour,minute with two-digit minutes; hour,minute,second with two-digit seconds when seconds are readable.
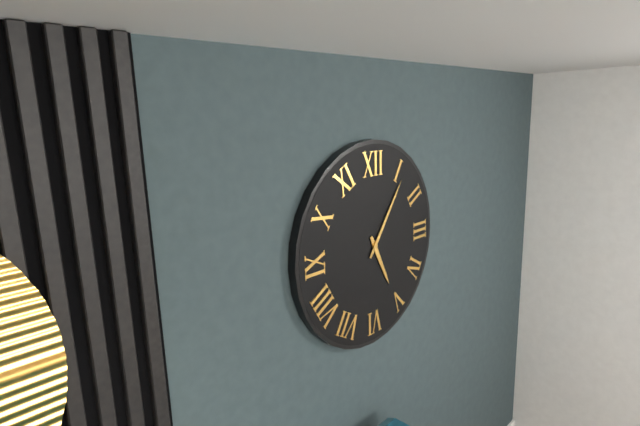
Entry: 5,06
